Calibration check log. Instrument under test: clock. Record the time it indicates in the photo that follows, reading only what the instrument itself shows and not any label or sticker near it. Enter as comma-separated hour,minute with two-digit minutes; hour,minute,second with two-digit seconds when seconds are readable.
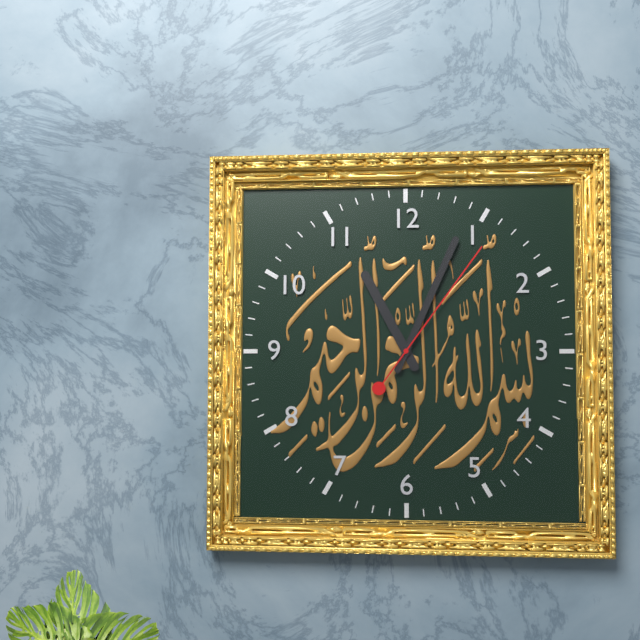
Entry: 11,04,06
